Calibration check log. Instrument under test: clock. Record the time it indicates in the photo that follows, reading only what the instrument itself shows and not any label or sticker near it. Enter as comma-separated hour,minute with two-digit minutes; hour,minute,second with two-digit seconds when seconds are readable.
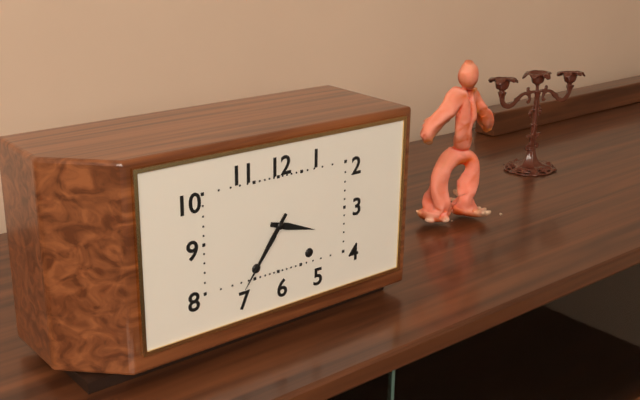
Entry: 3,36
